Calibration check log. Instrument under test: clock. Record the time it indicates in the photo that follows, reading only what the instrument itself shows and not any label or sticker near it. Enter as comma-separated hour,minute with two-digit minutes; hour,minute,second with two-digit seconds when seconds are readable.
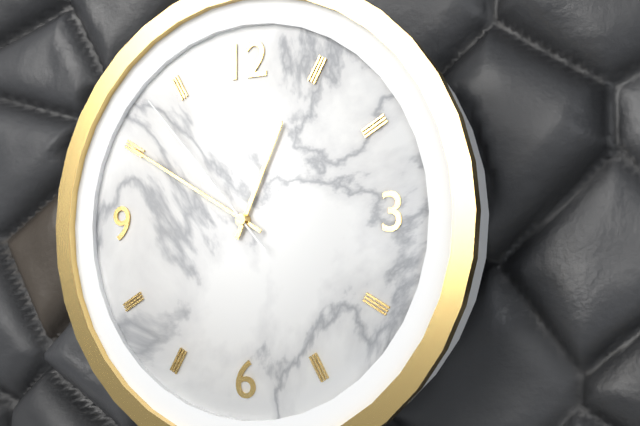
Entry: 12,50,53
